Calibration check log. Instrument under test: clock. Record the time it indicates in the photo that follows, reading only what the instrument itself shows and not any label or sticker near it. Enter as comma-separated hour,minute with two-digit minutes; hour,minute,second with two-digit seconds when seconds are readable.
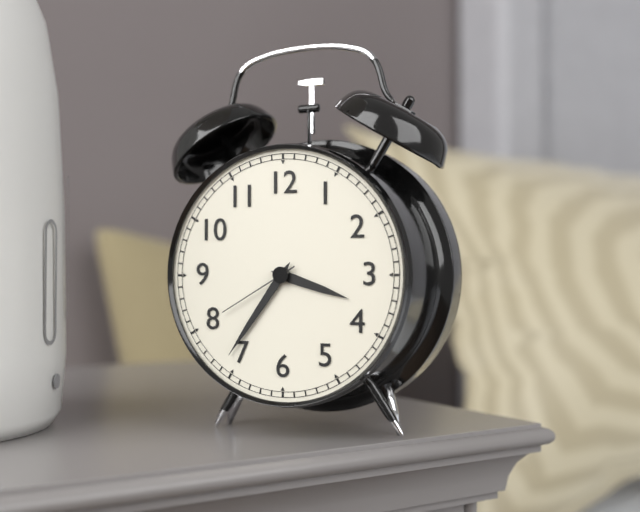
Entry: 3,36,40
